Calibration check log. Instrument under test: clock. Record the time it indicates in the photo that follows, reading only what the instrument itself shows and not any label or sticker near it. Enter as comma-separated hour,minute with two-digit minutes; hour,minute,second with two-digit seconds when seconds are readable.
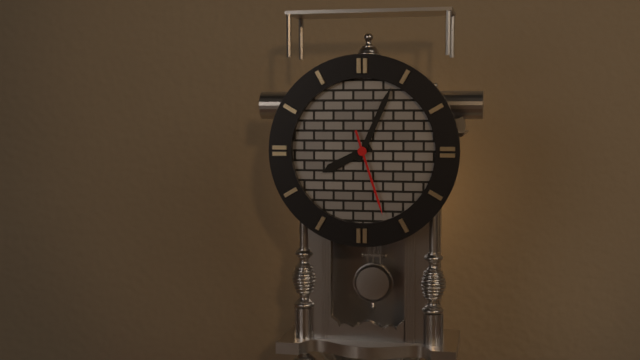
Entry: 8,04,27
